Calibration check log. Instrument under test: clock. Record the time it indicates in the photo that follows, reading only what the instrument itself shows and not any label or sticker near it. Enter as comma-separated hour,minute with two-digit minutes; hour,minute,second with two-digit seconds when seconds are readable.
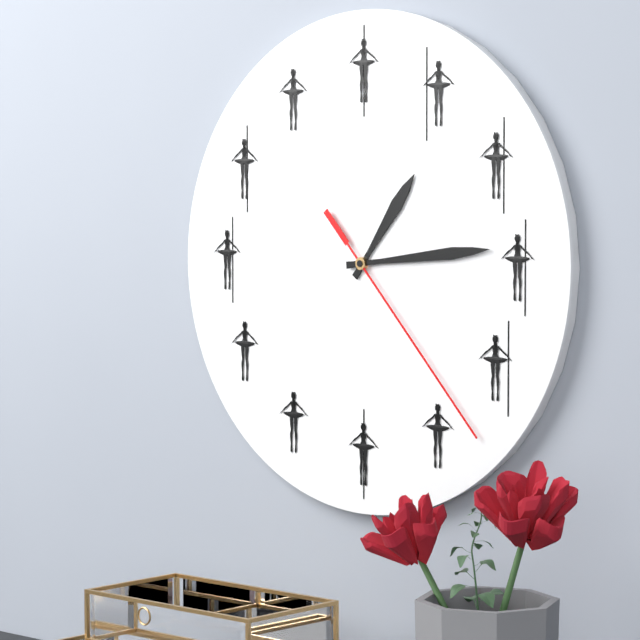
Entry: 1,14,23
